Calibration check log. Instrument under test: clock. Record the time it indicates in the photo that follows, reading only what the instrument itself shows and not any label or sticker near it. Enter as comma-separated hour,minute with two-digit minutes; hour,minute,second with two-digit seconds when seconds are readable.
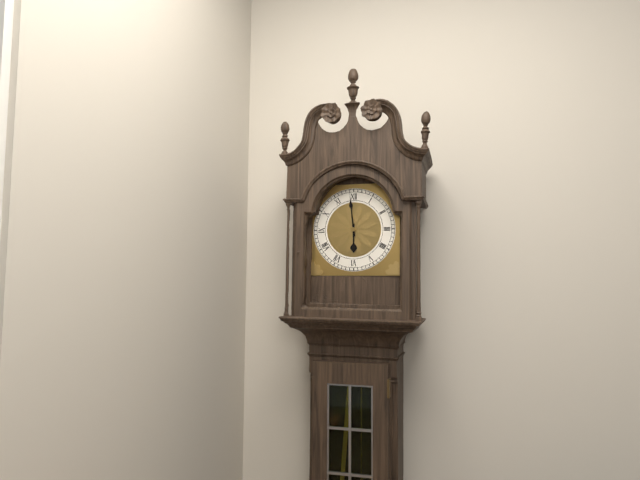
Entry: 5,59
